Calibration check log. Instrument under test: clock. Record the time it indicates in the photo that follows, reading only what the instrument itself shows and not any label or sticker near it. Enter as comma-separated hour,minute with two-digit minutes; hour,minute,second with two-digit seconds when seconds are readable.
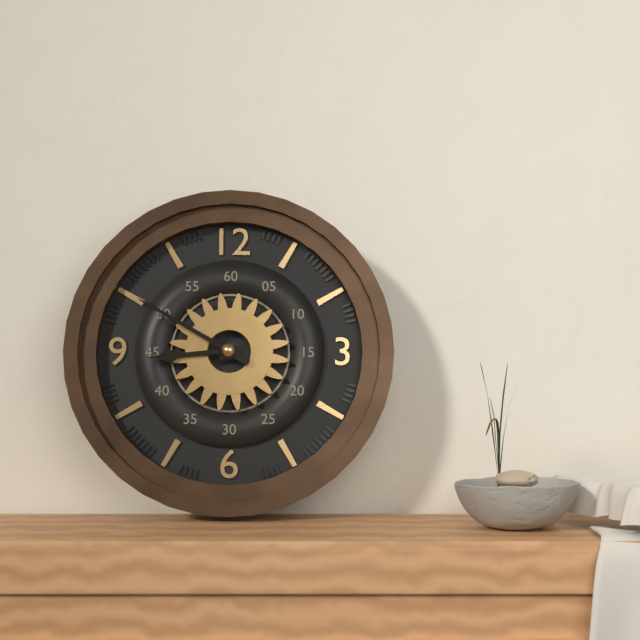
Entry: 8,50
